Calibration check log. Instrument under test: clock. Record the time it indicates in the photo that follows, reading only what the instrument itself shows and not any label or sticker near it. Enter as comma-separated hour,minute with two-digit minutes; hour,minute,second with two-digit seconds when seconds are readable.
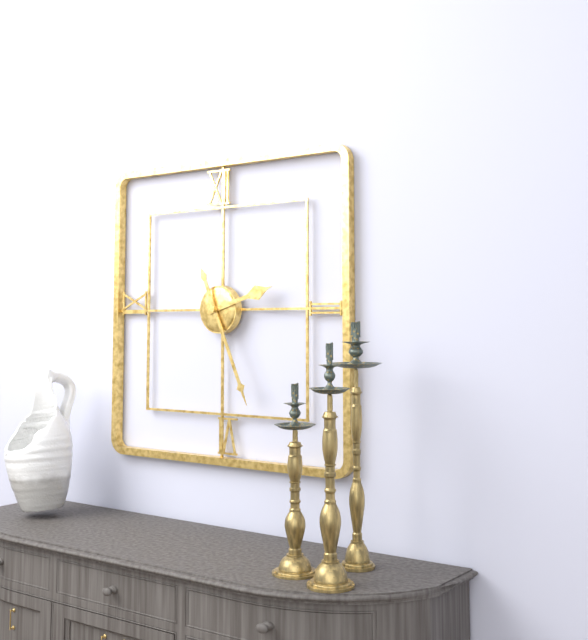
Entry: 2,26
